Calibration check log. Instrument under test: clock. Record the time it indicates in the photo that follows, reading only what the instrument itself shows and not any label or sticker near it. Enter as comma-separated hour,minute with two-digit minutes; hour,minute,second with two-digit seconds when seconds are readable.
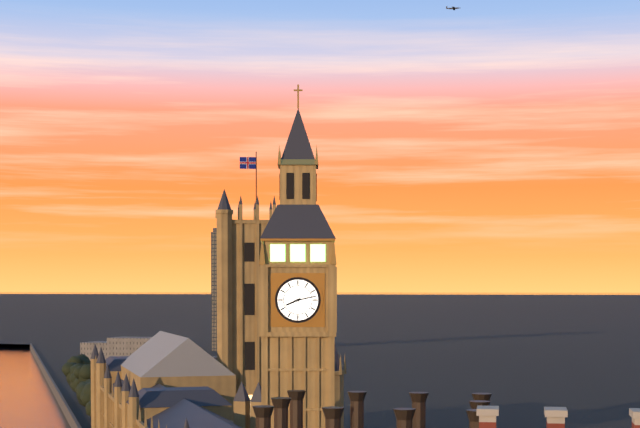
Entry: 8,13
